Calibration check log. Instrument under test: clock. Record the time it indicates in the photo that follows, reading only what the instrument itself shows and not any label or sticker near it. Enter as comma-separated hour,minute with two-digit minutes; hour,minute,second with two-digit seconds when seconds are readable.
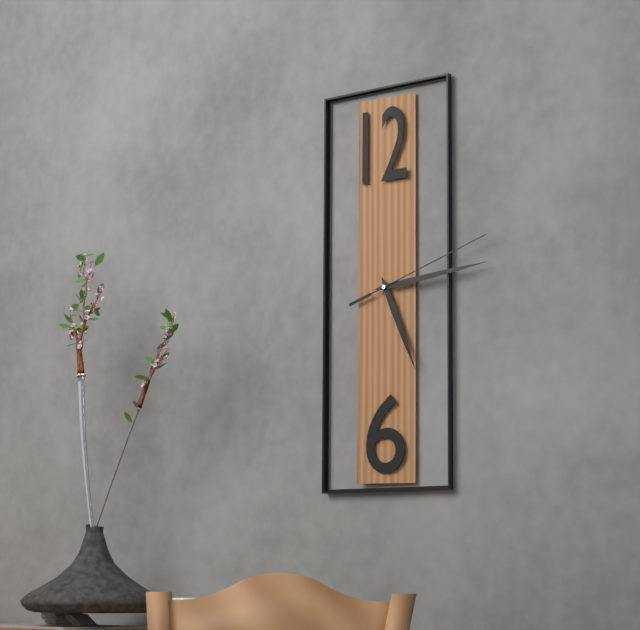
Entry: 5,14,12
